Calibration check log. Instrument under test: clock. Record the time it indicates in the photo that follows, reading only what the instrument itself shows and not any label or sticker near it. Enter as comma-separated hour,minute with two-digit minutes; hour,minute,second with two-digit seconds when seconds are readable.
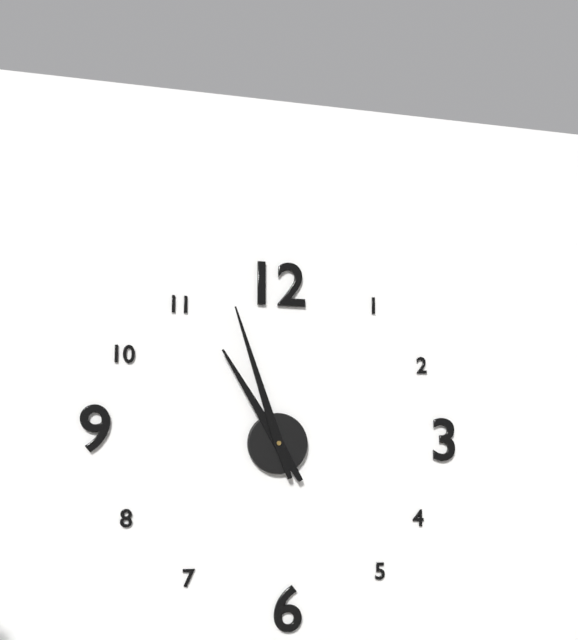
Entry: 10,57
